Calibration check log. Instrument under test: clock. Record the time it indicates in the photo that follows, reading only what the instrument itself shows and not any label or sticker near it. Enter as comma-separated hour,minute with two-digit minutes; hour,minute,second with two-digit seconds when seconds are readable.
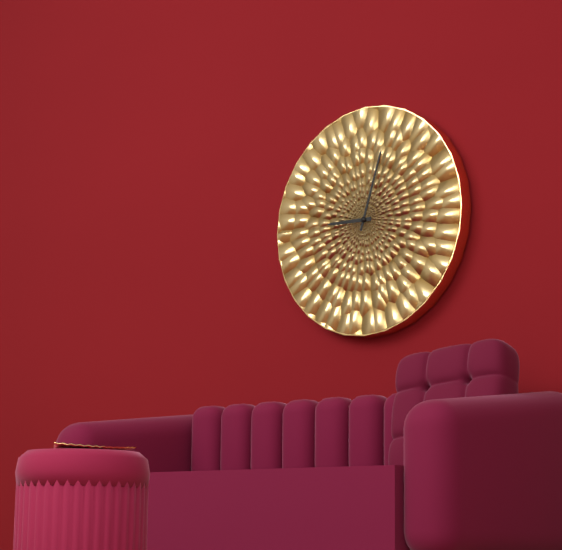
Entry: 9,03
